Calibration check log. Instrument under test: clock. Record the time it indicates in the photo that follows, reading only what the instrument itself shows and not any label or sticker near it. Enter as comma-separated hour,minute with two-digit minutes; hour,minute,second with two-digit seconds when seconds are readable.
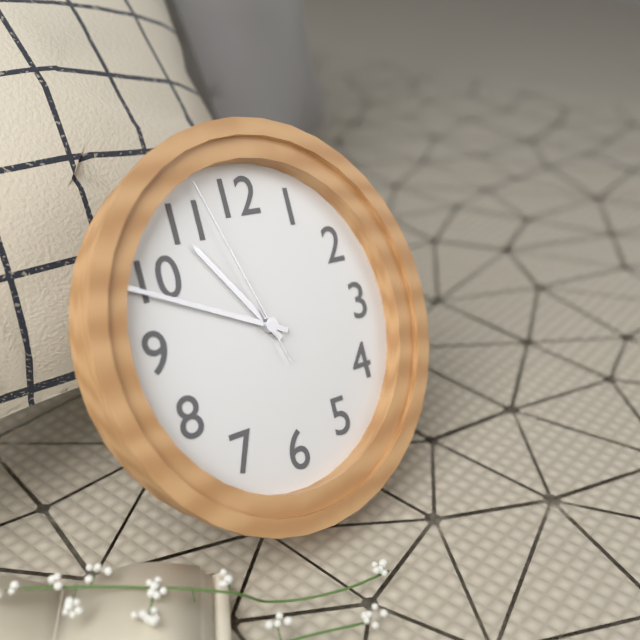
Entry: 10,49,57
